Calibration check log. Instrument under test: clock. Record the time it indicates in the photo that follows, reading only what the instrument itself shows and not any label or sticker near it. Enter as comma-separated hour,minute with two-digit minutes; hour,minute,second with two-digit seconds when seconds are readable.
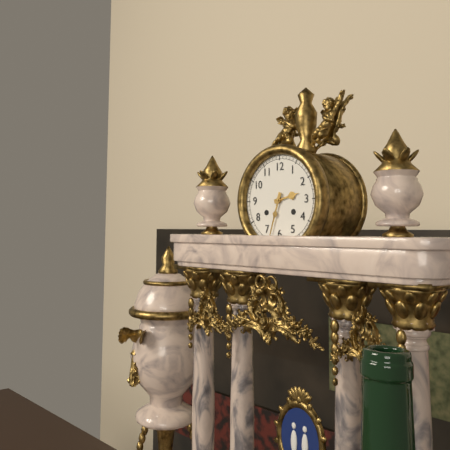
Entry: 2,33
